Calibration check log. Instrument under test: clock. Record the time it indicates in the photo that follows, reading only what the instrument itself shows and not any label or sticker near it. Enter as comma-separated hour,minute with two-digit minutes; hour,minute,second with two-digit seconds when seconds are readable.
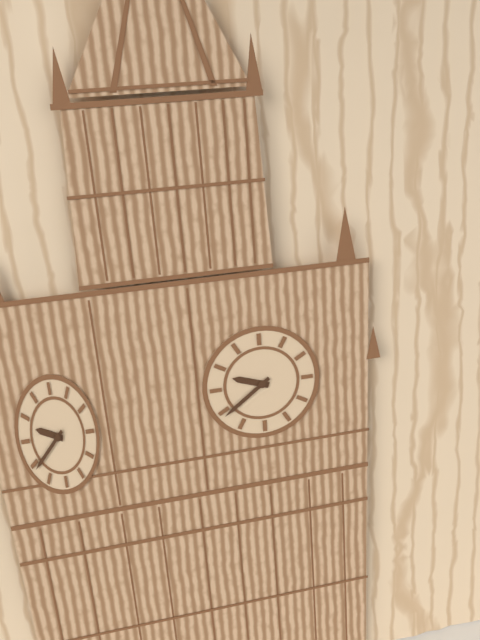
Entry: 9,39
